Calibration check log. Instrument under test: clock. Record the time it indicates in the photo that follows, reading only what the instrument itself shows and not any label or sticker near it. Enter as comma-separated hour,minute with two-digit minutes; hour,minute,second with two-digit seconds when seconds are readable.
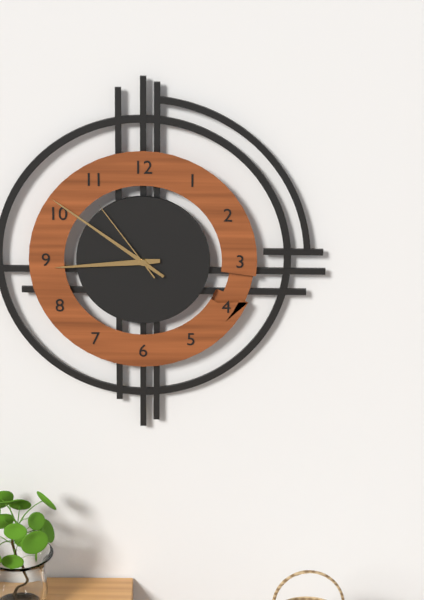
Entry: 8,51,54
